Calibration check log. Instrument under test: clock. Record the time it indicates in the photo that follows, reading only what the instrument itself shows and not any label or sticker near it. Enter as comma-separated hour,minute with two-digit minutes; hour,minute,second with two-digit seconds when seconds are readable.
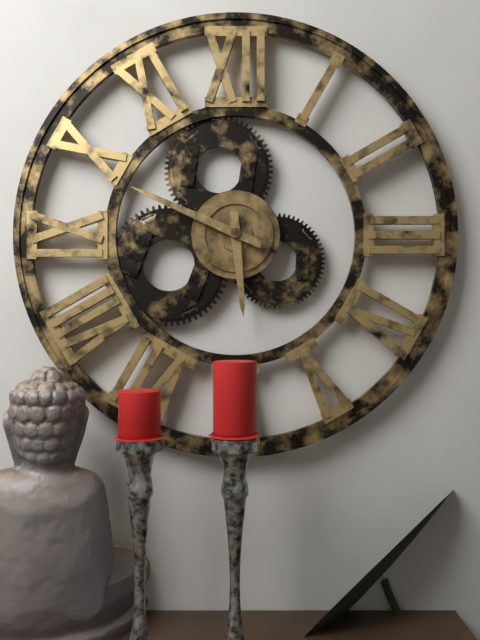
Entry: 5,49
